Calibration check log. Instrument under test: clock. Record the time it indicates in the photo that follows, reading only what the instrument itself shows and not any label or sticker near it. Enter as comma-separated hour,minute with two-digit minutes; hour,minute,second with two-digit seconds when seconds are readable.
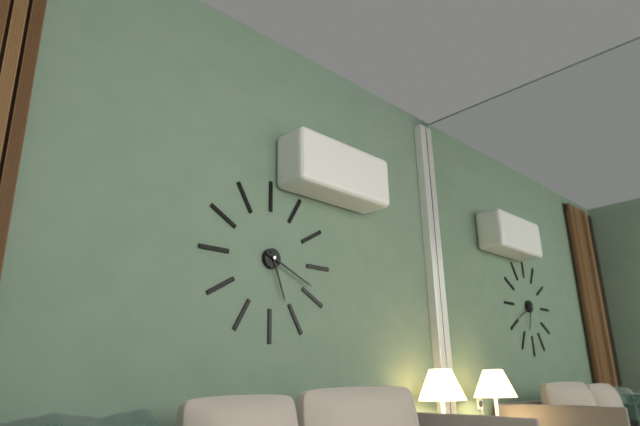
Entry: 5,19
